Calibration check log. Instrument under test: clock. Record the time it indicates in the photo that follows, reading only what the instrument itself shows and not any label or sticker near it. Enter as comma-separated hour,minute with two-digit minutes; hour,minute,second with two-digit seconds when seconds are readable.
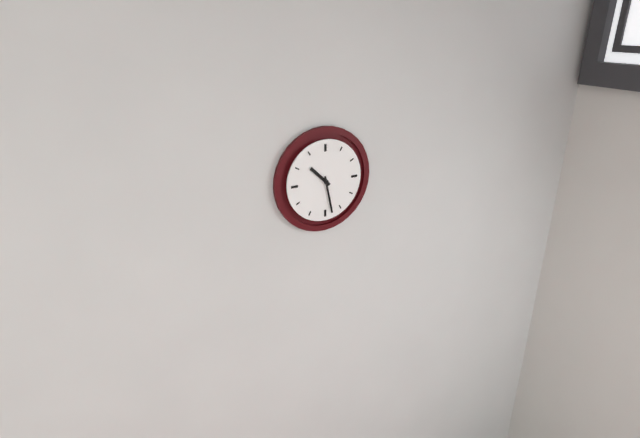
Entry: 10,28
